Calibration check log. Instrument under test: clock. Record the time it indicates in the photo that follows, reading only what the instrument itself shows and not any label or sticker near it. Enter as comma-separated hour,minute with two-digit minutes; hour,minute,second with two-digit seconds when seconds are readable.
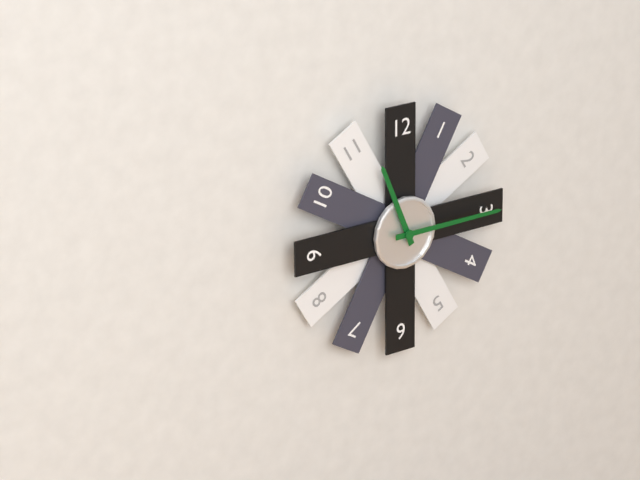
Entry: 11,15
